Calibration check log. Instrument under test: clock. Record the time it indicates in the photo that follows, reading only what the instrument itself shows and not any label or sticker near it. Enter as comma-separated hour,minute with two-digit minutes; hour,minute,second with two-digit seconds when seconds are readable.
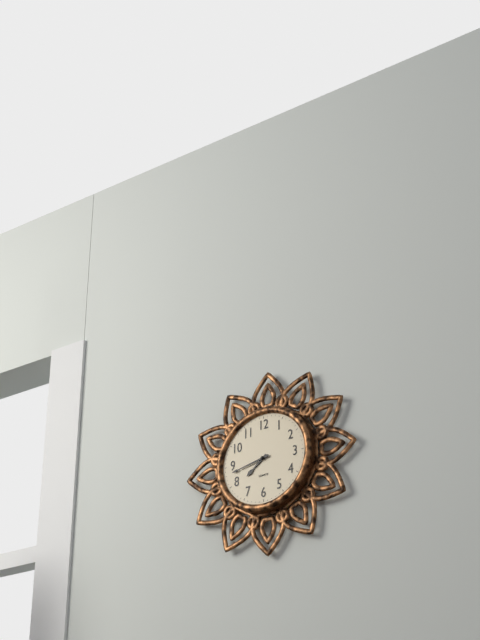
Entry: 7,43
